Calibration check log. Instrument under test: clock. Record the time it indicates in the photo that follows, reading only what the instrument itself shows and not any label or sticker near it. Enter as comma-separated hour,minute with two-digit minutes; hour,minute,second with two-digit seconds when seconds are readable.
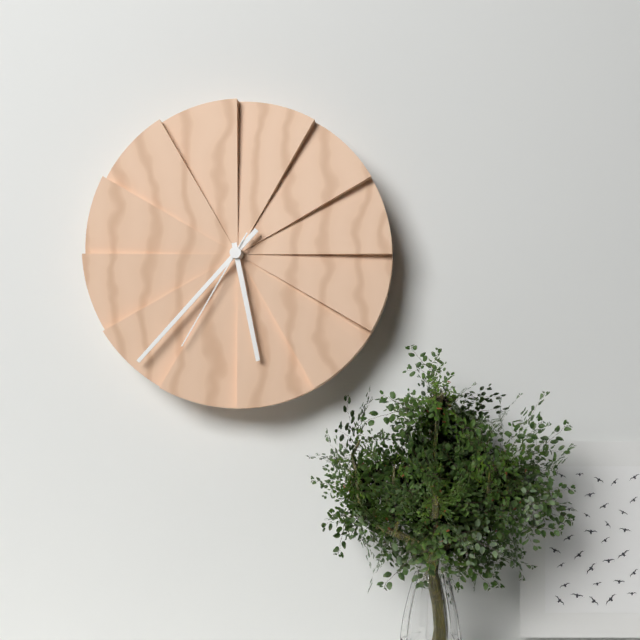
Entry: 5,37,35
